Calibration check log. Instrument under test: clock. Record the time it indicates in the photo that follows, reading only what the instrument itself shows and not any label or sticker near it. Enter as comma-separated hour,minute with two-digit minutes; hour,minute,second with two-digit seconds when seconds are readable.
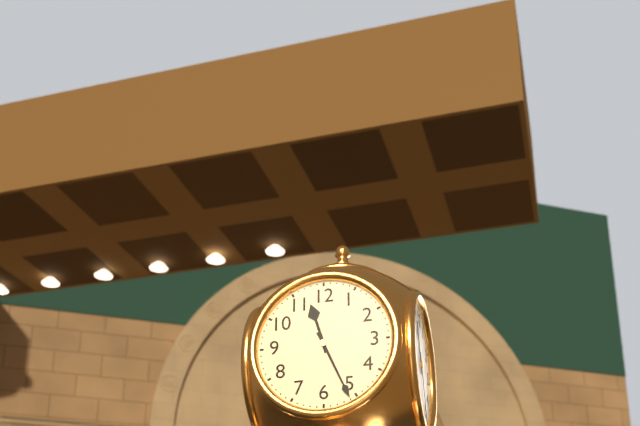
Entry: 11,26
